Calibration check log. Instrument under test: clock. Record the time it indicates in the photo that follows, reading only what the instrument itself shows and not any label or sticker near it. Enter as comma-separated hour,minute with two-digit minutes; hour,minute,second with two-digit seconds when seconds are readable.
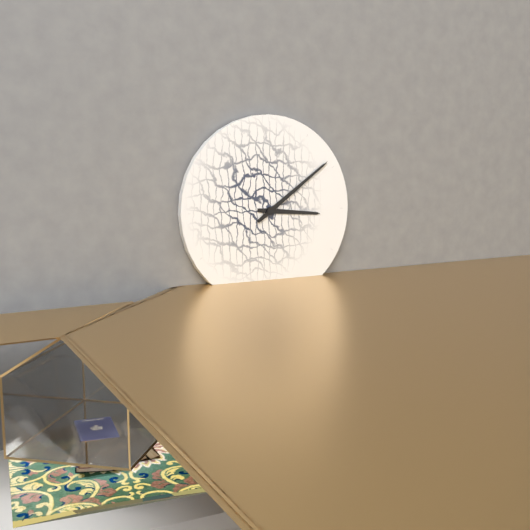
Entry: 3,09
